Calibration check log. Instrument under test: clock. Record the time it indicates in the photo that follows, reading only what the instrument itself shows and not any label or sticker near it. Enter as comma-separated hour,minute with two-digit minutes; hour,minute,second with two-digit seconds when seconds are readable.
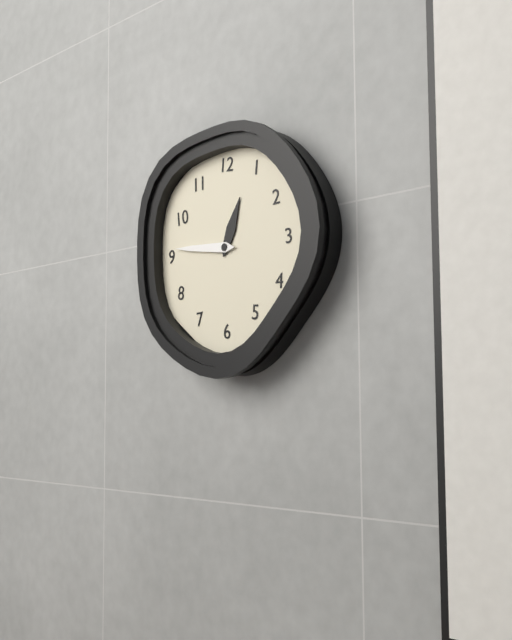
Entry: 12,46
